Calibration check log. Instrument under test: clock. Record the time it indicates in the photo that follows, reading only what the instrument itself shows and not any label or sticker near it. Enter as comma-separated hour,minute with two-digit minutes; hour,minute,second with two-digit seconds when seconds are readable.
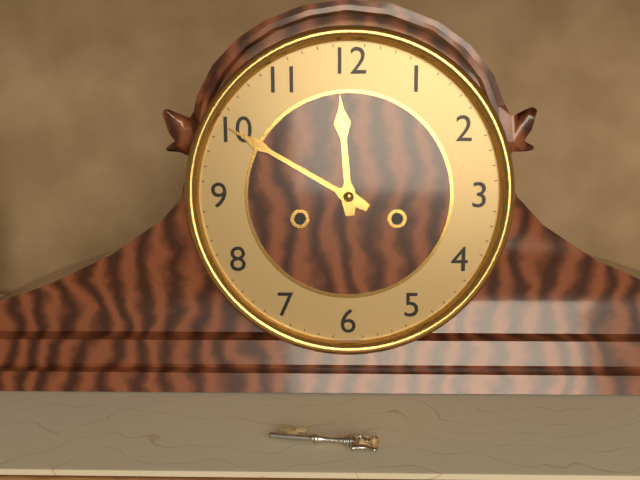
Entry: 11,50
